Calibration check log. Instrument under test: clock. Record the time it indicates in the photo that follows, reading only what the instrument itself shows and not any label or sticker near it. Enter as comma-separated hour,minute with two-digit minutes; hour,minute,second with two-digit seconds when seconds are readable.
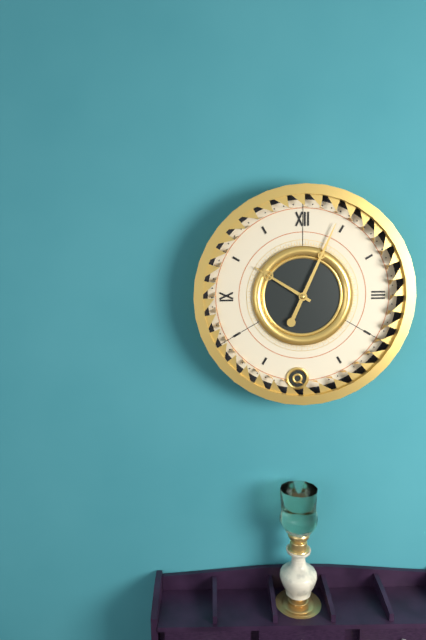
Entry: 10,04
